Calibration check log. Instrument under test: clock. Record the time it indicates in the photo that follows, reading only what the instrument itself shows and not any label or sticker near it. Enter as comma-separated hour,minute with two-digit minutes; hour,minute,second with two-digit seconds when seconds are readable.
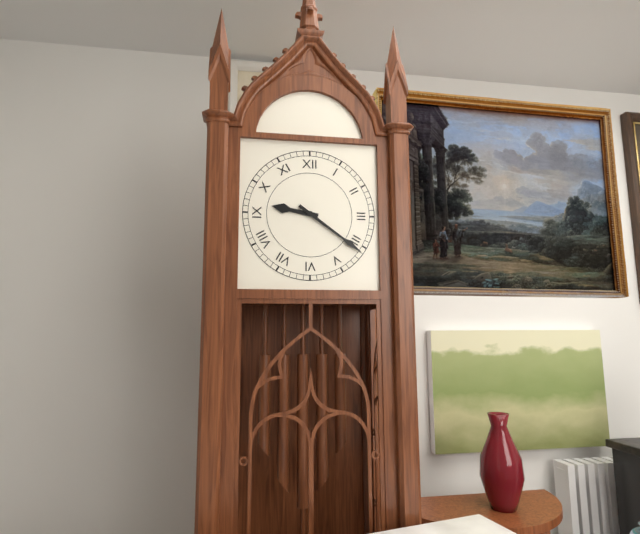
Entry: 9,21
